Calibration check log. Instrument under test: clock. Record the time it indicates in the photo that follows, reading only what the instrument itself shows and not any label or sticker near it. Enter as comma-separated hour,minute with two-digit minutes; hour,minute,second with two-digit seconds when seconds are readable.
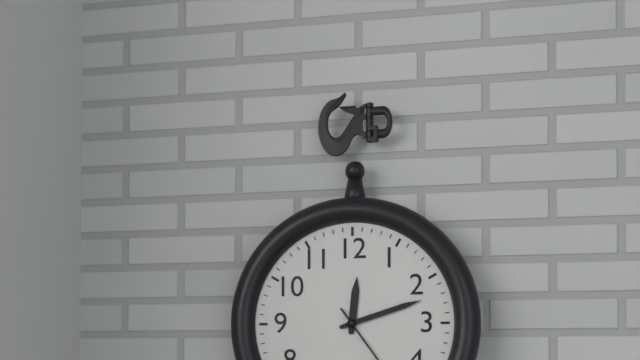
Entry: 12,12
